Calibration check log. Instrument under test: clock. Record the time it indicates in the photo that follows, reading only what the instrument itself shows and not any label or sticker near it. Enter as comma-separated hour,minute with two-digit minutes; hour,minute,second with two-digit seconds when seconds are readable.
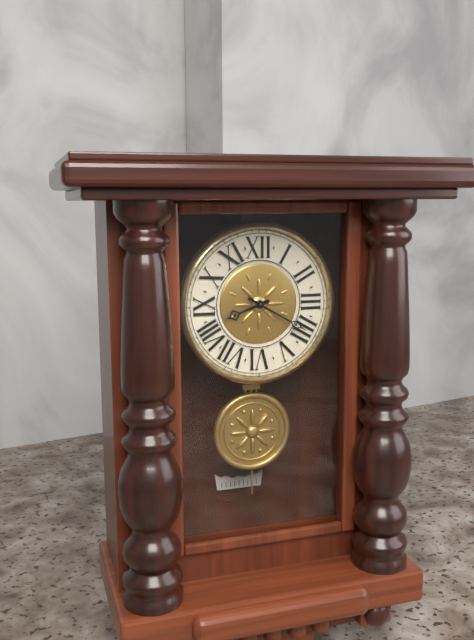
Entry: 8,20
